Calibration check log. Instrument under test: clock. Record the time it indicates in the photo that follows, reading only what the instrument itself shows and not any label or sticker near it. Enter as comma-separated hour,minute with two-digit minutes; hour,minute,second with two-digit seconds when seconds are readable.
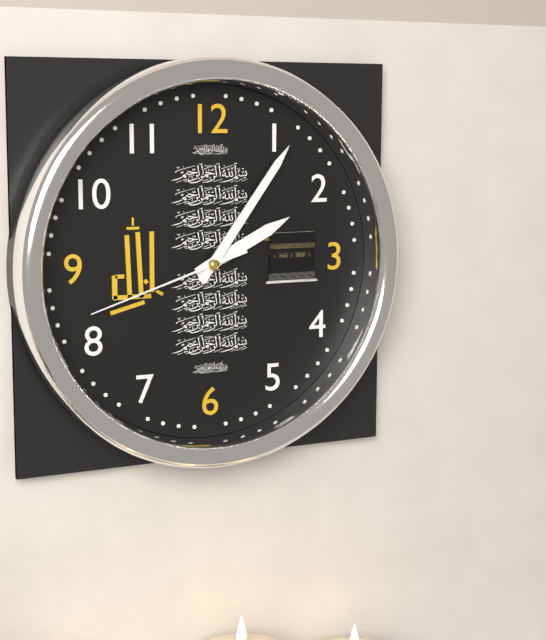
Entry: 2,06,42
